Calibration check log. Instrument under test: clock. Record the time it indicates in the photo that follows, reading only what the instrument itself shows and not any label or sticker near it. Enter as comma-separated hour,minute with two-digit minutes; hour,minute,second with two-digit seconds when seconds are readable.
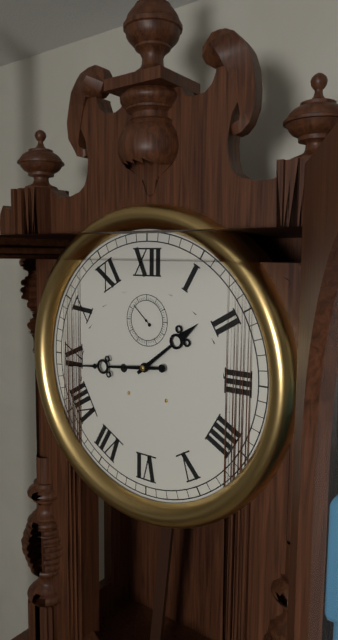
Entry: 1,44
